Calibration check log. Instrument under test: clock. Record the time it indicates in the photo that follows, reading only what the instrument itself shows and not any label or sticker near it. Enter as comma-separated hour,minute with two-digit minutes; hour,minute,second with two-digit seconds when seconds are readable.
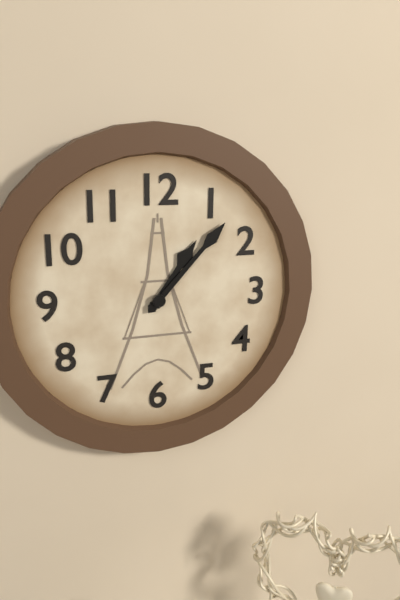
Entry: 1,07
